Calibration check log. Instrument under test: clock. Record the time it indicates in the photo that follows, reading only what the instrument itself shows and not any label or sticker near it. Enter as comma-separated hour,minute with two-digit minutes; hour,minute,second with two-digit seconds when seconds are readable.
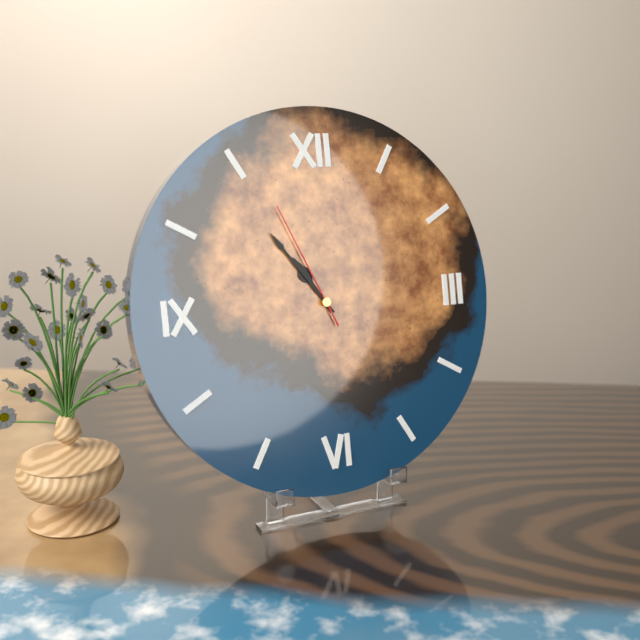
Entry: 10,54,56
